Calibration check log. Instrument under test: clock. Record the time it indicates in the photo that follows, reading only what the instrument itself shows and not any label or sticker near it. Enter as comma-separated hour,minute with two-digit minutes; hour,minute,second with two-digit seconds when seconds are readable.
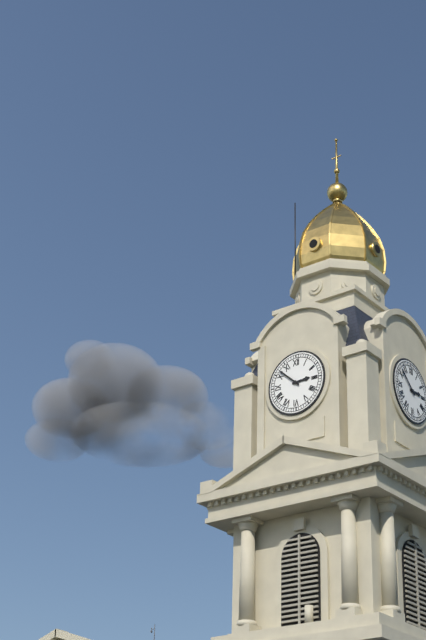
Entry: 2,52
